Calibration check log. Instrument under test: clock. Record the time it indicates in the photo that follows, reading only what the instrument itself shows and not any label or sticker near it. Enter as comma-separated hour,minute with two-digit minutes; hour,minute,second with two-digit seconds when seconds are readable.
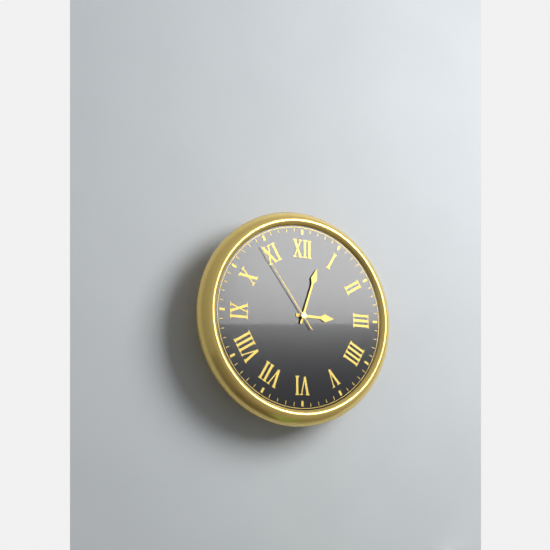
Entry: 3,03,54
